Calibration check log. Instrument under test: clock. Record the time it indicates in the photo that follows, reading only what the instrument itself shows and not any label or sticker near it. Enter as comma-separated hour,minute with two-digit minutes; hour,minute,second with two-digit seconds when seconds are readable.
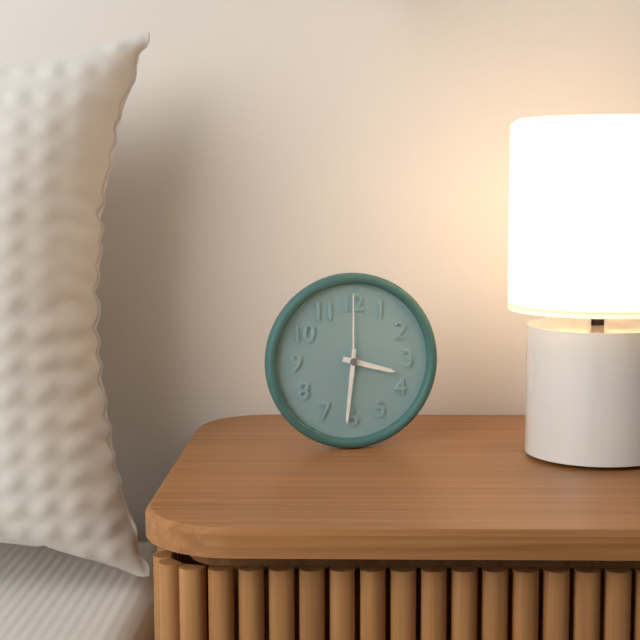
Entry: 3,31,00
